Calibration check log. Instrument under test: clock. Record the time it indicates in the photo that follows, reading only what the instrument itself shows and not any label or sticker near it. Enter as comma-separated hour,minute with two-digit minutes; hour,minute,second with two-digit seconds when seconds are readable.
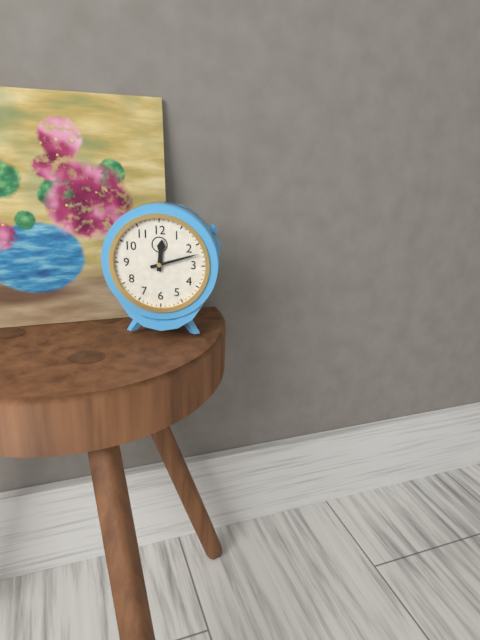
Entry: 12,12
